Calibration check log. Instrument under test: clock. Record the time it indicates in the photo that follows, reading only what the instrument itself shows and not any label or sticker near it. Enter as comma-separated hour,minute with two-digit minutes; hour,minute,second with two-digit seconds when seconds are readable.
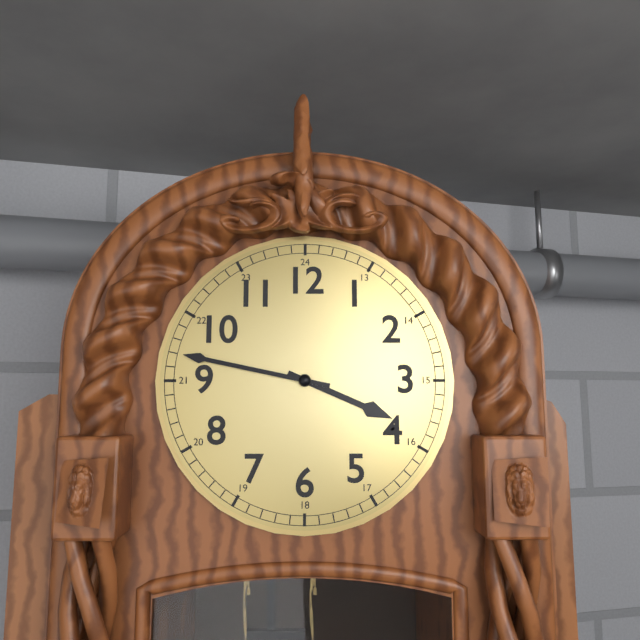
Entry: 3,47
